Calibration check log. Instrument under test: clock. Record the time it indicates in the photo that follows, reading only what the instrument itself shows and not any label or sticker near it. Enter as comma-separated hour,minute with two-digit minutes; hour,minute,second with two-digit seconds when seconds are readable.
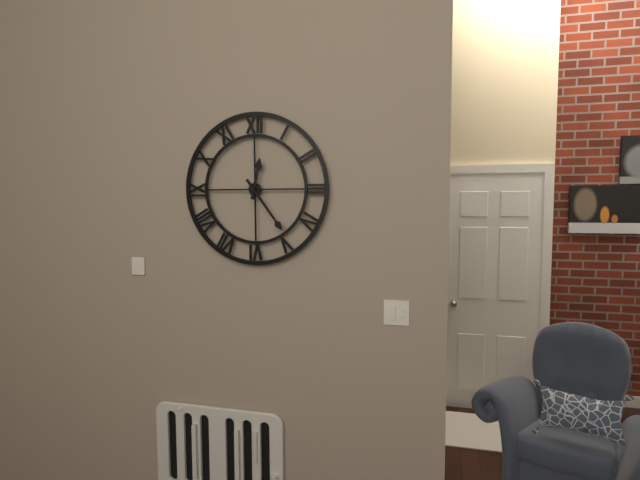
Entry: 12,24
